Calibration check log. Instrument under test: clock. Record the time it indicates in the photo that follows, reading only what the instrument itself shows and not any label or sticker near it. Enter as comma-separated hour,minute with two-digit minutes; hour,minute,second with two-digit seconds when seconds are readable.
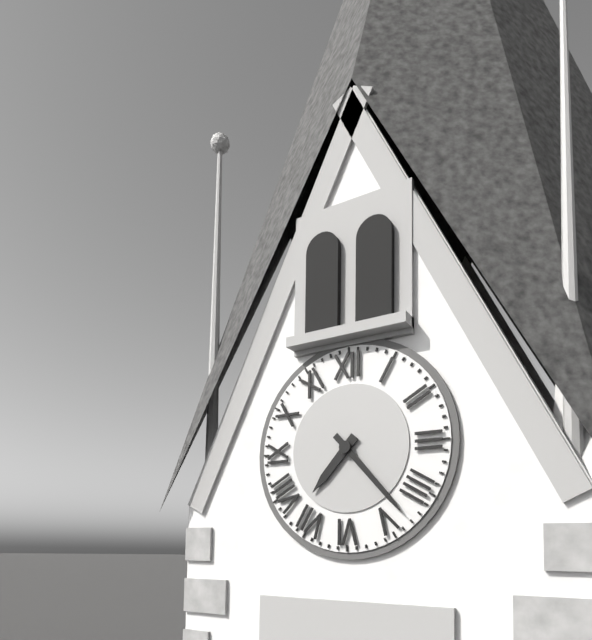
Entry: 7,23
